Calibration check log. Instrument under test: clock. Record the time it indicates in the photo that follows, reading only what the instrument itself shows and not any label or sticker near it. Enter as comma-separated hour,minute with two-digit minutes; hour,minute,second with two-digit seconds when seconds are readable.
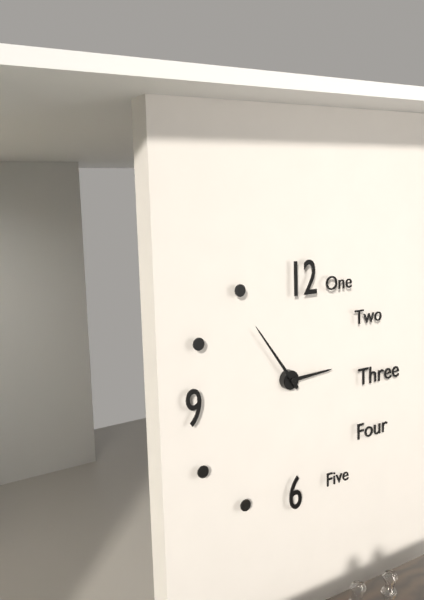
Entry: 2,54
